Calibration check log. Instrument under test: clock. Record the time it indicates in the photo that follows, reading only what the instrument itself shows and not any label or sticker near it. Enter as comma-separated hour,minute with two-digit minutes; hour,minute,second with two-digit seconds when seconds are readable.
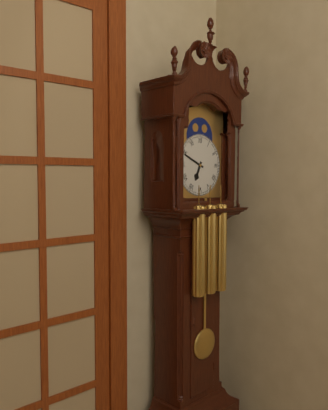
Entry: 6,49
